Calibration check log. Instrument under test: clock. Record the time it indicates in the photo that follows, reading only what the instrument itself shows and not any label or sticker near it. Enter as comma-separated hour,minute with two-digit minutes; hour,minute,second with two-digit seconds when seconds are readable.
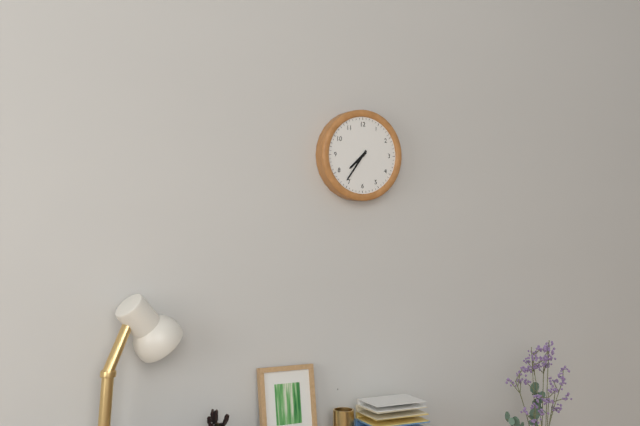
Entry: 7,36
